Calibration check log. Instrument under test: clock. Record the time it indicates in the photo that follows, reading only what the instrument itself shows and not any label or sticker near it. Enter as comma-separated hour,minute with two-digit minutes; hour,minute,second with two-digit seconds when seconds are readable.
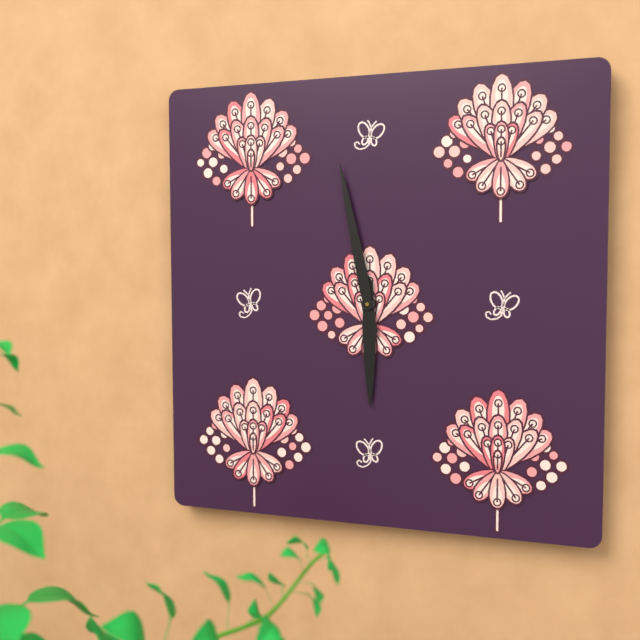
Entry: 5,58
